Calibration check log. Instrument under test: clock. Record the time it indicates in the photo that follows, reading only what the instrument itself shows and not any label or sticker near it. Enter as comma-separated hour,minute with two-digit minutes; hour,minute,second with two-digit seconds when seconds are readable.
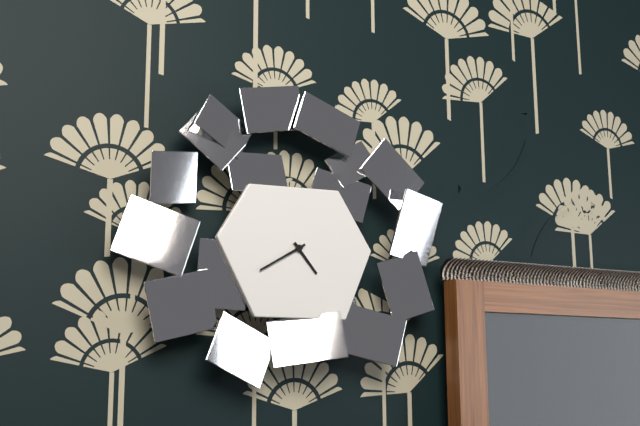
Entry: 4,40
